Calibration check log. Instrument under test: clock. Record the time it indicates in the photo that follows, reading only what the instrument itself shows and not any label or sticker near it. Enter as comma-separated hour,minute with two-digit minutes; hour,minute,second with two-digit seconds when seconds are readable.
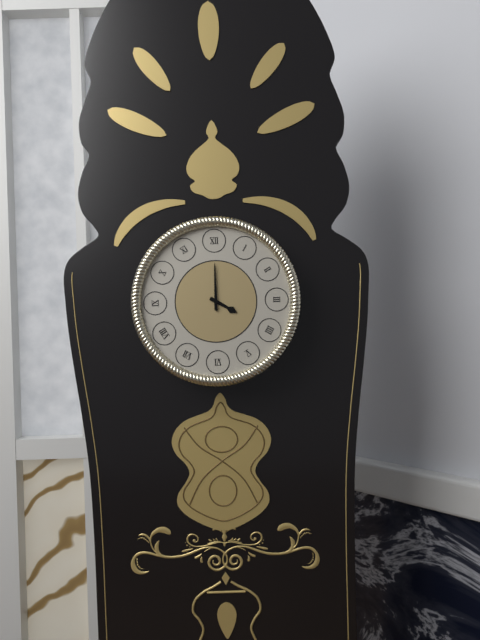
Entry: 4,00
